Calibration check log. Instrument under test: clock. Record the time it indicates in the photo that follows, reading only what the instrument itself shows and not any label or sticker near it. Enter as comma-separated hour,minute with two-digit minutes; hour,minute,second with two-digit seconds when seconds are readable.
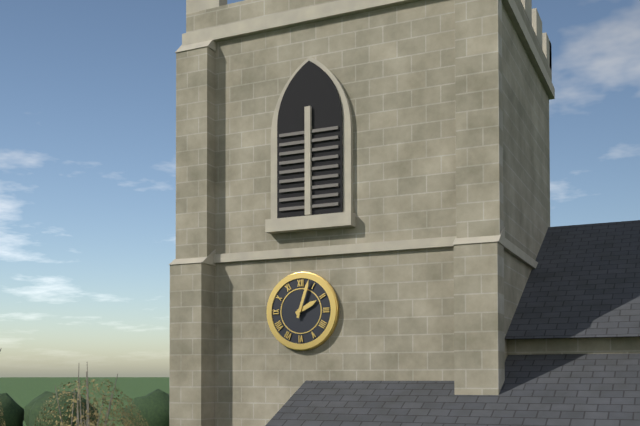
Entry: 2,03
